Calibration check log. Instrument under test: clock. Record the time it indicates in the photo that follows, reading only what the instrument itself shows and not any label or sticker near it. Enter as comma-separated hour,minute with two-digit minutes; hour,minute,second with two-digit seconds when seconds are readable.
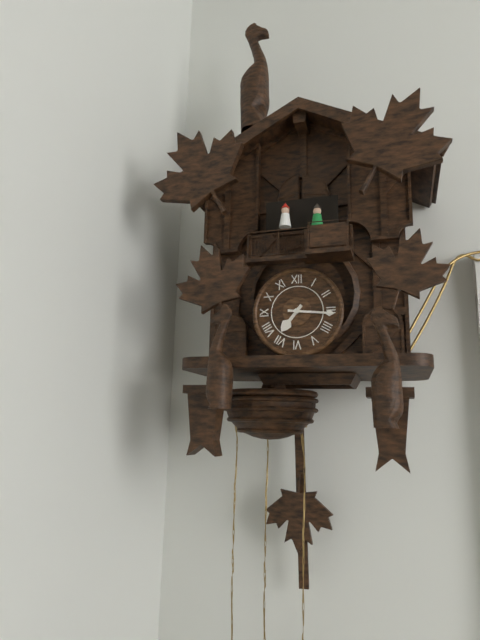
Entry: 7,16
